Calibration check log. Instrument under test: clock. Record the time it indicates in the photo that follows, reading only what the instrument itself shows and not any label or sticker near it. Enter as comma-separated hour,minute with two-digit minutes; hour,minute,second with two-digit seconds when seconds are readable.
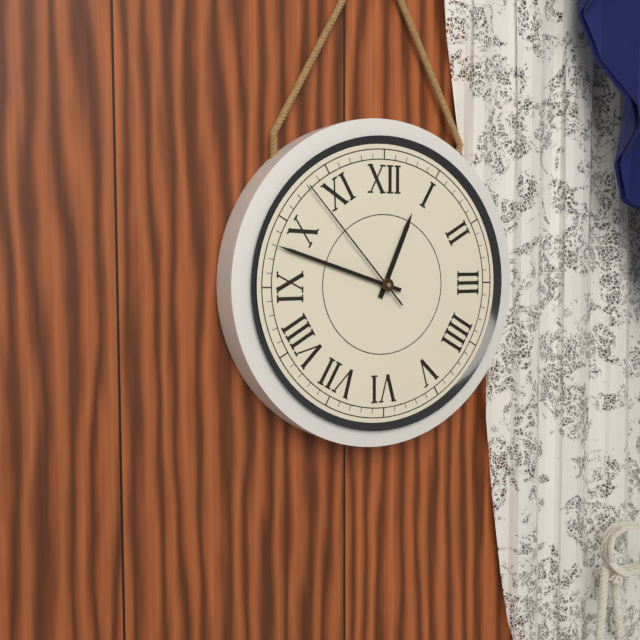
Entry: 12,48,53
